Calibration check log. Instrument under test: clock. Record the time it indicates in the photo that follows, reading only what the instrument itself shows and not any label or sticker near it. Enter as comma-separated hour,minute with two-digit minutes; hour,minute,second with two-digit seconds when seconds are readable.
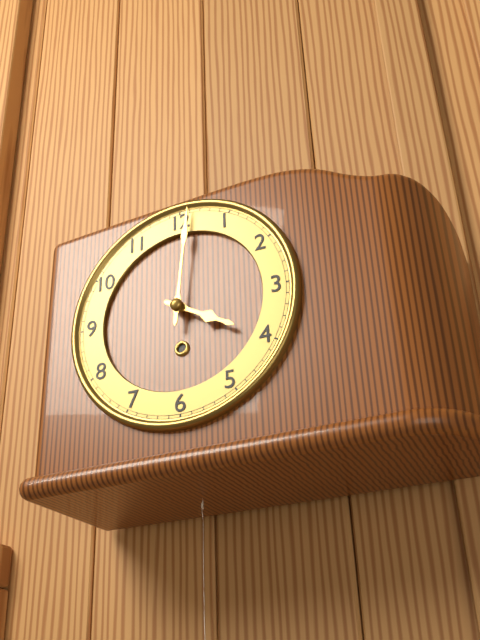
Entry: 4,01
